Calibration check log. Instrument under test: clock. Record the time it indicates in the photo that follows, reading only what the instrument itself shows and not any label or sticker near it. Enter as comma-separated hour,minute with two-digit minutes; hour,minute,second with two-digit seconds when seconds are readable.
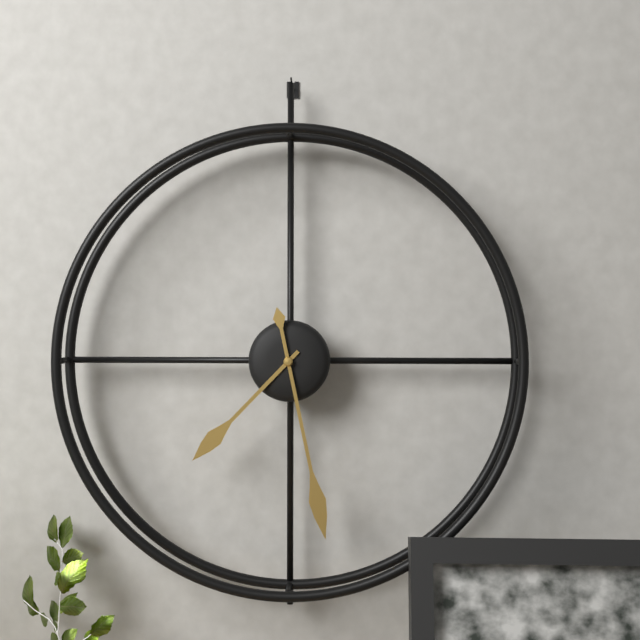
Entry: 7,28
